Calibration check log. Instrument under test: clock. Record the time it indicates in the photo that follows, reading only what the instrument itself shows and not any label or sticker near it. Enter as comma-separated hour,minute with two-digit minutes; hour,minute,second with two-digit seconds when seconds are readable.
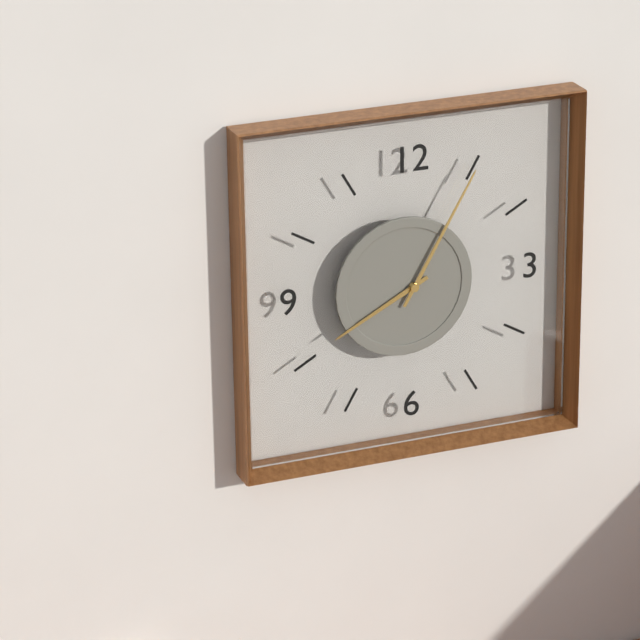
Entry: 8,05
